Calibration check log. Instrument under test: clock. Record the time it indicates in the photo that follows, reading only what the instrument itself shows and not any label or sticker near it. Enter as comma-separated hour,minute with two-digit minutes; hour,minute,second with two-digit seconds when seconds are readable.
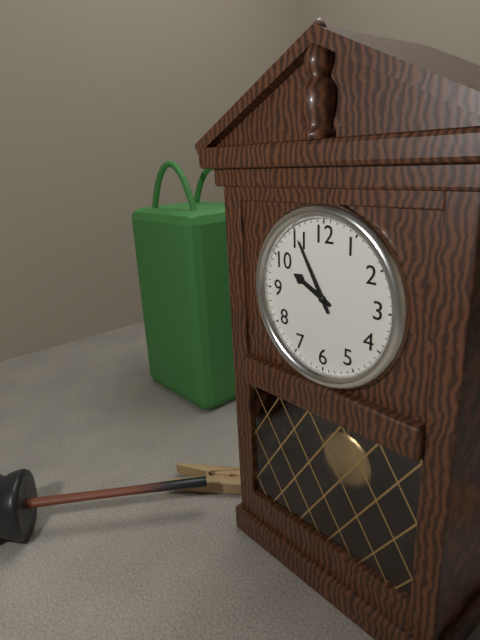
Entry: 9,55
